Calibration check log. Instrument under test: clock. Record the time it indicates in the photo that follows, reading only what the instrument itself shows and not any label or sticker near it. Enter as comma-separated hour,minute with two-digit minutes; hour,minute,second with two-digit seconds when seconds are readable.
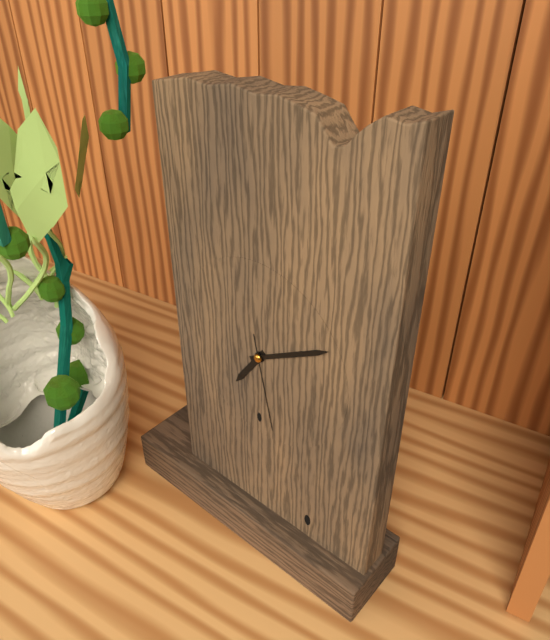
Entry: 7,10,28
